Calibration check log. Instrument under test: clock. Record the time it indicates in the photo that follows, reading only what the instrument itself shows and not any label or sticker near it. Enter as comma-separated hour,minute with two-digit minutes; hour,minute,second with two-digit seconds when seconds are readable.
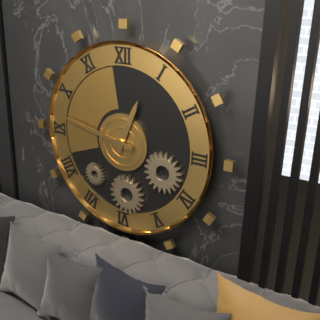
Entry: 12,47
